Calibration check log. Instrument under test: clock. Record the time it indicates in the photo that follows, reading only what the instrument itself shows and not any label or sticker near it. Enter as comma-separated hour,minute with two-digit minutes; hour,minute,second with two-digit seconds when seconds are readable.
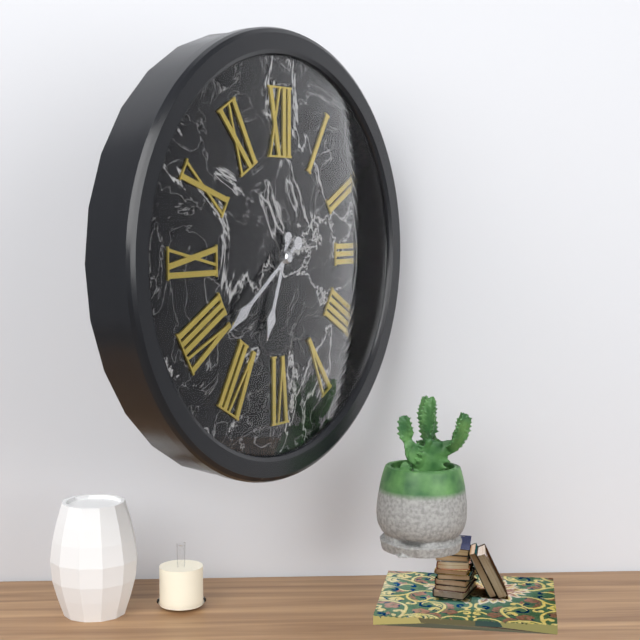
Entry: 6,39
